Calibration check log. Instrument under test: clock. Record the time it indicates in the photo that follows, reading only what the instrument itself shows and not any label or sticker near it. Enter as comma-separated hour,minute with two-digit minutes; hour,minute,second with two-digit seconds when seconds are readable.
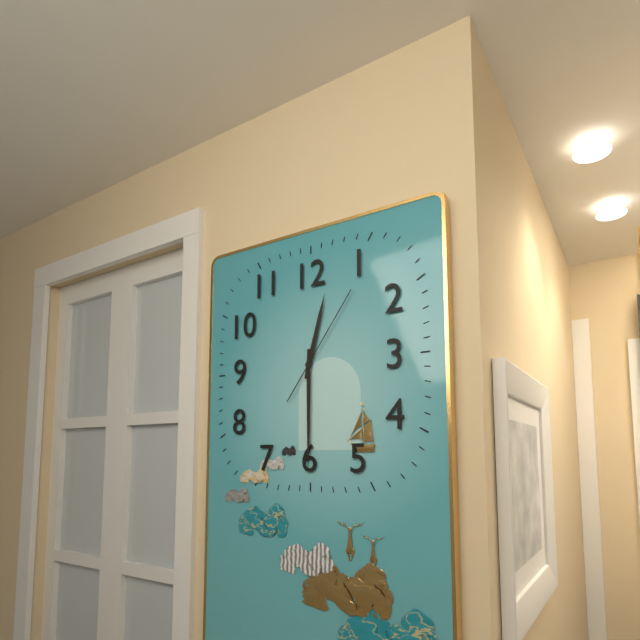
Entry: 12,30,06
